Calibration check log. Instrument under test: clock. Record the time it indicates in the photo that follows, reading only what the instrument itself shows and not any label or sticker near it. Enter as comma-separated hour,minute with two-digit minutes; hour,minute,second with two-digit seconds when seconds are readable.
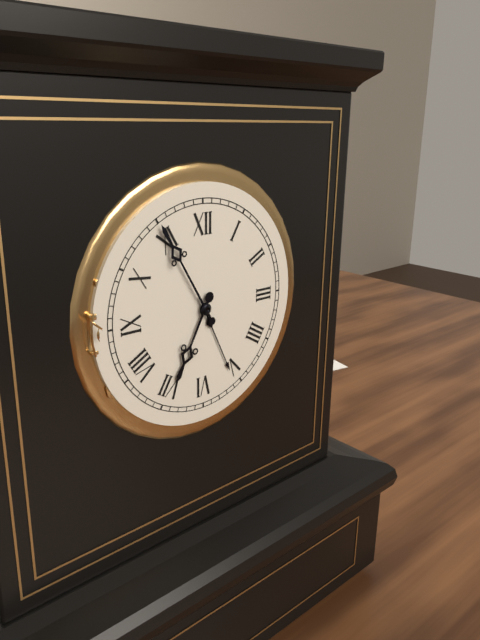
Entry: 6,55
